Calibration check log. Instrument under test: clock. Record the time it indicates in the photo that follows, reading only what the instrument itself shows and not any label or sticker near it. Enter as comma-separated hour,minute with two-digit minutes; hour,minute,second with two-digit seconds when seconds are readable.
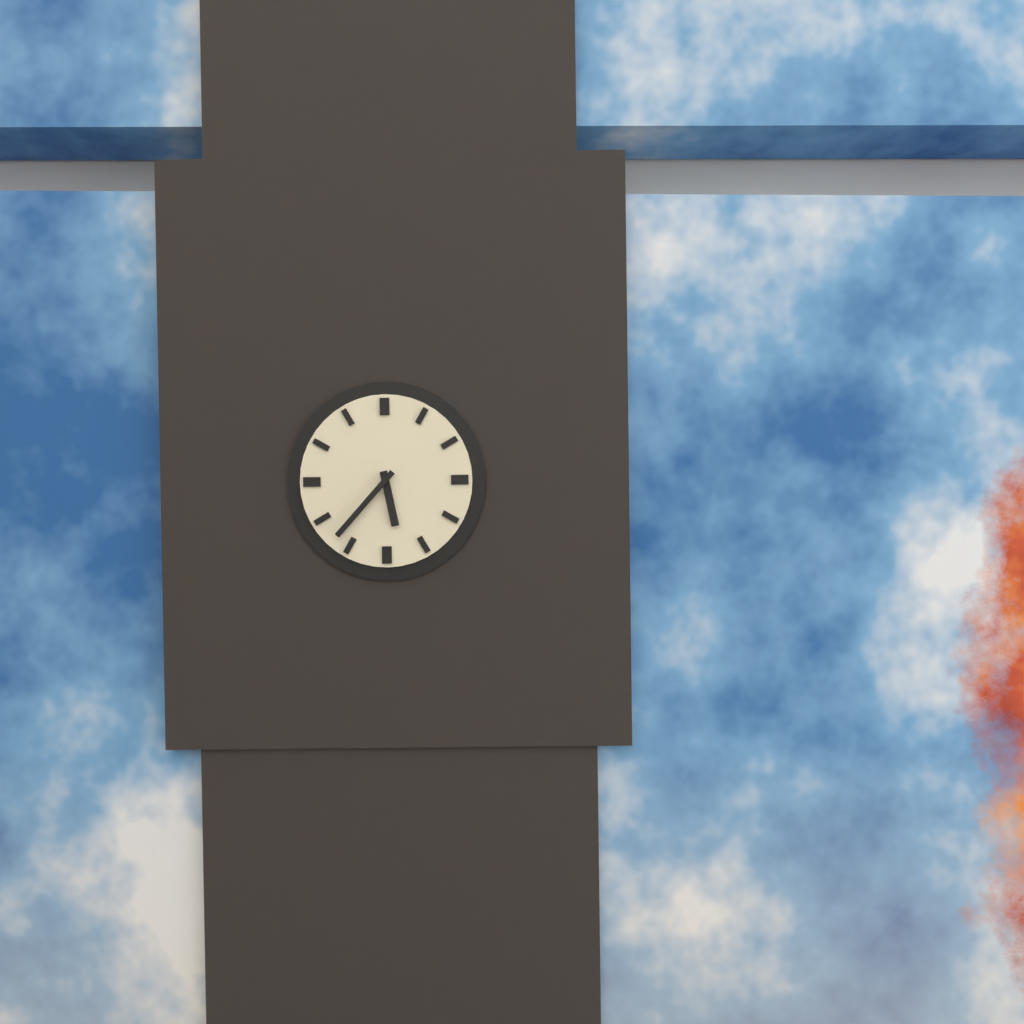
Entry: 5,37
